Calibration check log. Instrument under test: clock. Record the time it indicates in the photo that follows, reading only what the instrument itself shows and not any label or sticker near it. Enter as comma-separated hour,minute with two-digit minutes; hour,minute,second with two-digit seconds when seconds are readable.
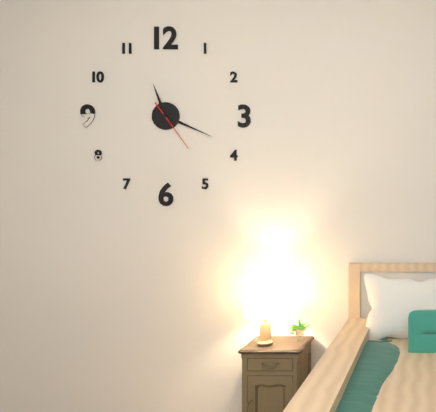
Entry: 11,19
